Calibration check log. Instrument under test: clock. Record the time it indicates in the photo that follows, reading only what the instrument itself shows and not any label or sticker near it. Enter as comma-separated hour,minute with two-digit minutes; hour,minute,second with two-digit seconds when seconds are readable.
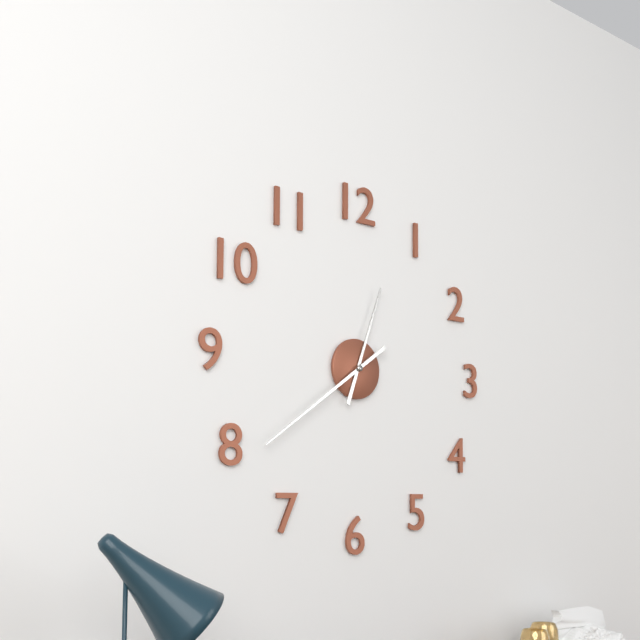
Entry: 12,39
